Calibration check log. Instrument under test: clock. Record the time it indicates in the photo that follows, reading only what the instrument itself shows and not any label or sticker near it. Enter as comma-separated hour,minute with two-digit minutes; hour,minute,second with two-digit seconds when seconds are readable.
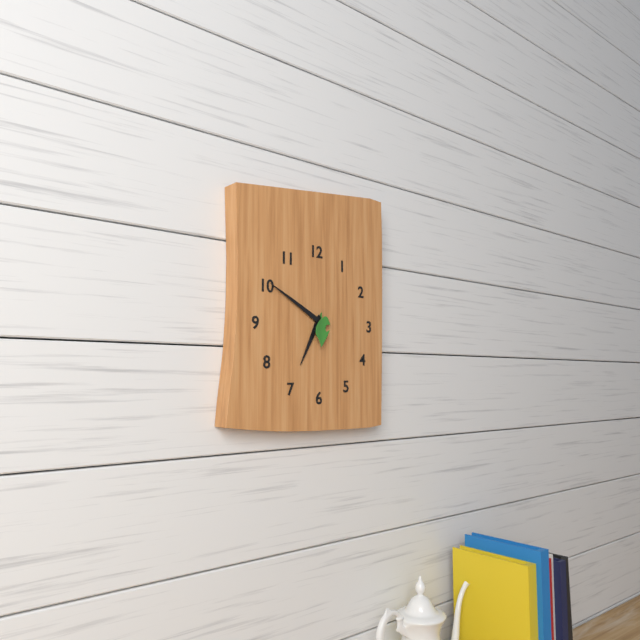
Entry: 6,50
